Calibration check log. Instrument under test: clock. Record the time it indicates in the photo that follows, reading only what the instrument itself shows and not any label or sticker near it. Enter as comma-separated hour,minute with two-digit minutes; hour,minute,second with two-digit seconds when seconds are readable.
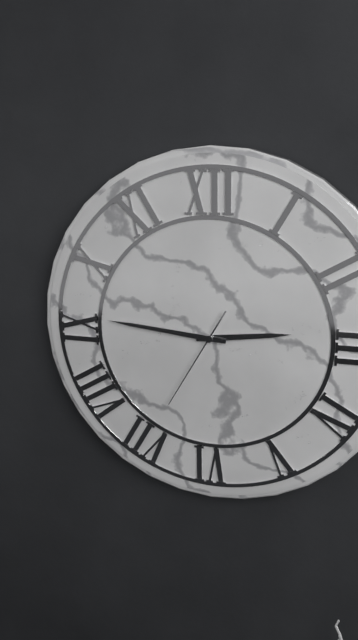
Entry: 2,46,35
